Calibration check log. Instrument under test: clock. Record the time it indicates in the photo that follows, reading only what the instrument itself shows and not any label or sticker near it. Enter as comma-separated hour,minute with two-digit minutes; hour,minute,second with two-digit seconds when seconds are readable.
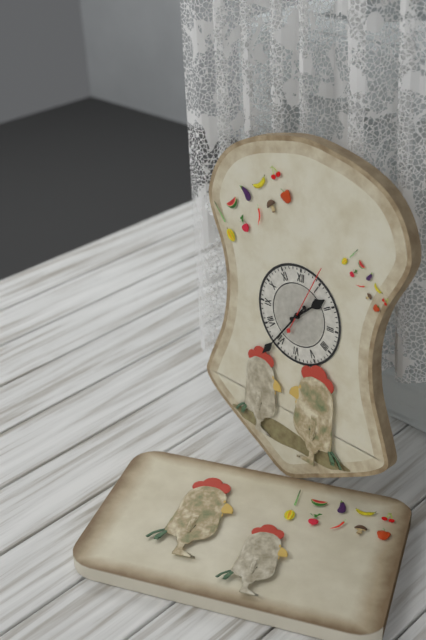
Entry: 1,36,04
